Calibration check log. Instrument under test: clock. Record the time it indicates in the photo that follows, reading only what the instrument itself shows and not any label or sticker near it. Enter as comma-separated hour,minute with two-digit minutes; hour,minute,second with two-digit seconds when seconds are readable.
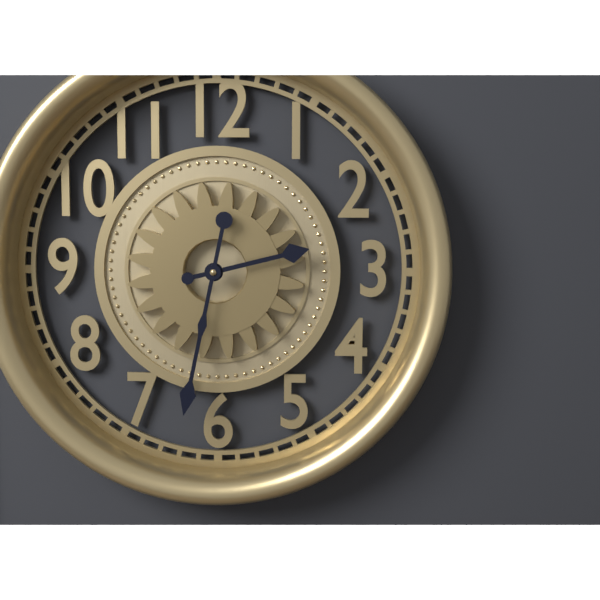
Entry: 2,32
